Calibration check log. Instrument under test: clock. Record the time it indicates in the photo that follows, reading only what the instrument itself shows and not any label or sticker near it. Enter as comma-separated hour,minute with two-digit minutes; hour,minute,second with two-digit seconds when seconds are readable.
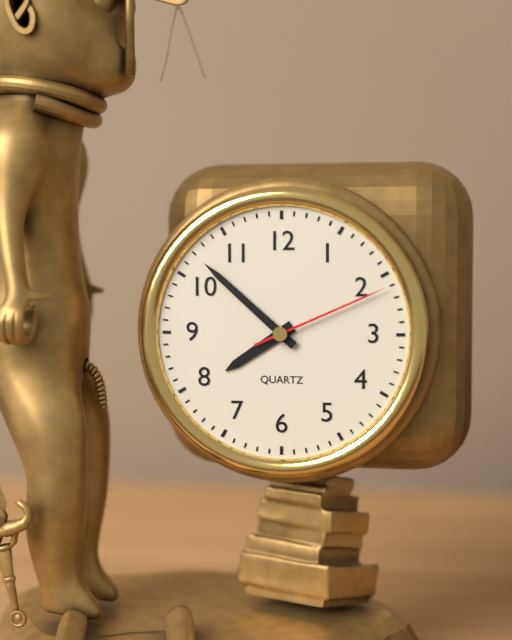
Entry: 7,52,11
